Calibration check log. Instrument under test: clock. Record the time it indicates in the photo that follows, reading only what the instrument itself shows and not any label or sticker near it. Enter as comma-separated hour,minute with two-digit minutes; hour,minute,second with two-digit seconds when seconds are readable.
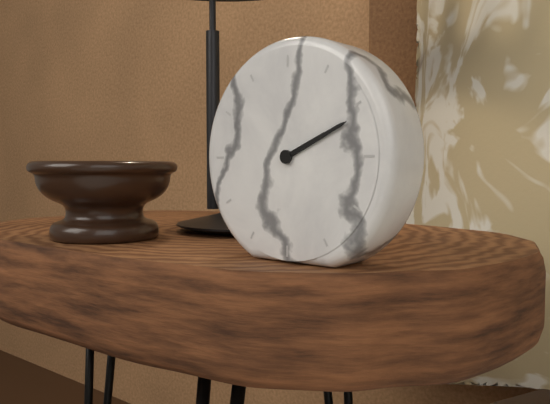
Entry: 2,11
